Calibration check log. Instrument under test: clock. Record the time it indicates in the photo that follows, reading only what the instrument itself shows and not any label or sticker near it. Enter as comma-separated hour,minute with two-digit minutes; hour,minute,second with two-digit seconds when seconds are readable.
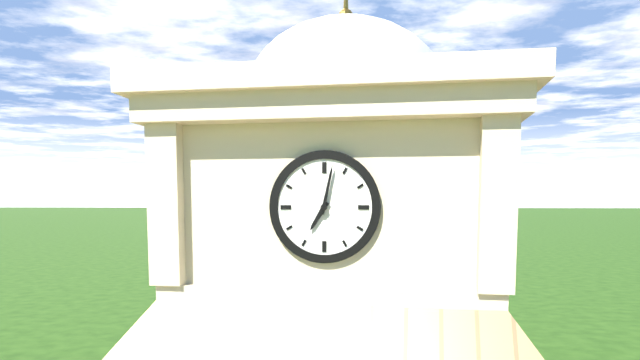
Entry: 7,02
